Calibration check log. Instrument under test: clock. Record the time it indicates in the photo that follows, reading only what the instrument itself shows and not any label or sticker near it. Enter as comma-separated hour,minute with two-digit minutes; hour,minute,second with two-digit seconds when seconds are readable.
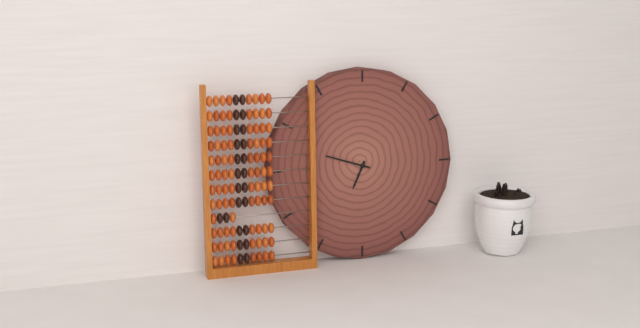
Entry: 6,48
